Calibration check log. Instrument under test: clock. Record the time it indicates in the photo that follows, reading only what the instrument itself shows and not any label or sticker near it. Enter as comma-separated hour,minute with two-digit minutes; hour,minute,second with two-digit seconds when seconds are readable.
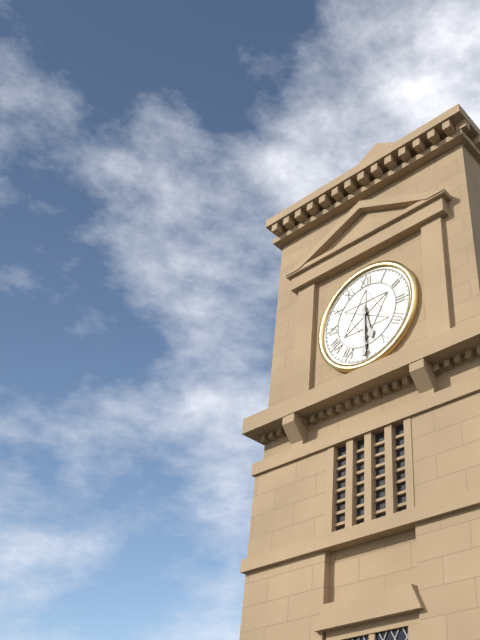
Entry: 5,30
